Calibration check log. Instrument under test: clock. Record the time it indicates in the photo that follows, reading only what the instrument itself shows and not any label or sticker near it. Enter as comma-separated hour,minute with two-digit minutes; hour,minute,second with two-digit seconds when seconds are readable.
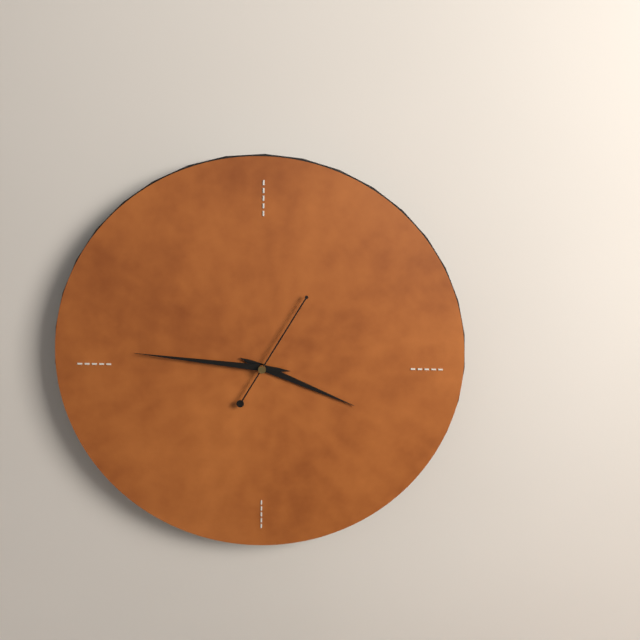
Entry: 3,46,05
